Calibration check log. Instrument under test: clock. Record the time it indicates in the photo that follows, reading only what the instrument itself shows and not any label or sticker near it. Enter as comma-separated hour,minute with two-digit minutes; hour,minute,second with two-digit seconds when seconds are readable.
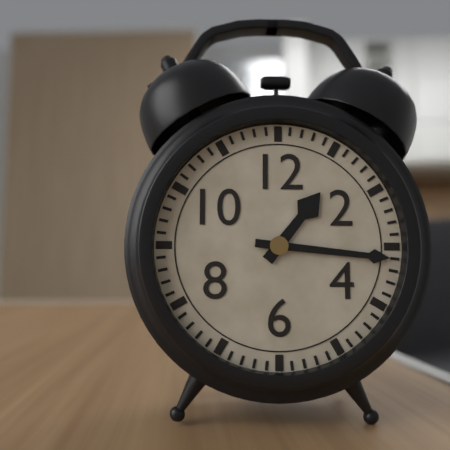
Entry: 1,16
